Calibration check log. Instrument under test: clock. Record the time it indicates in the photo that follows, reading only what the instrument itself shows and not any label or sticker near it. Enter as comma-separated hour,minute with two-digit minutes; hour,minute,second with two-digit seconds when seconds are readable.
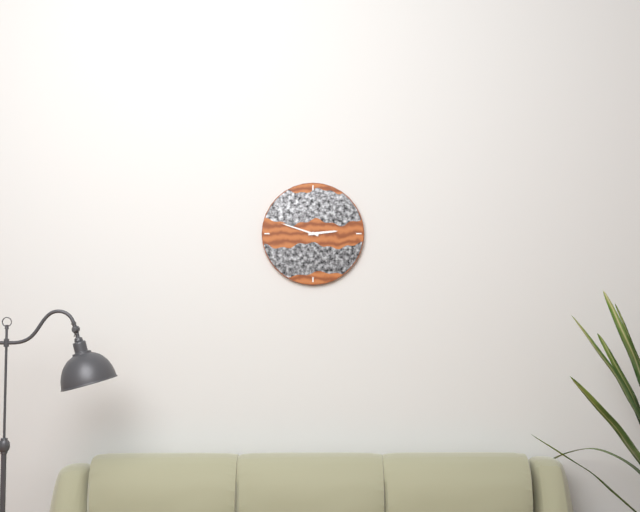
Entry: 2,48
